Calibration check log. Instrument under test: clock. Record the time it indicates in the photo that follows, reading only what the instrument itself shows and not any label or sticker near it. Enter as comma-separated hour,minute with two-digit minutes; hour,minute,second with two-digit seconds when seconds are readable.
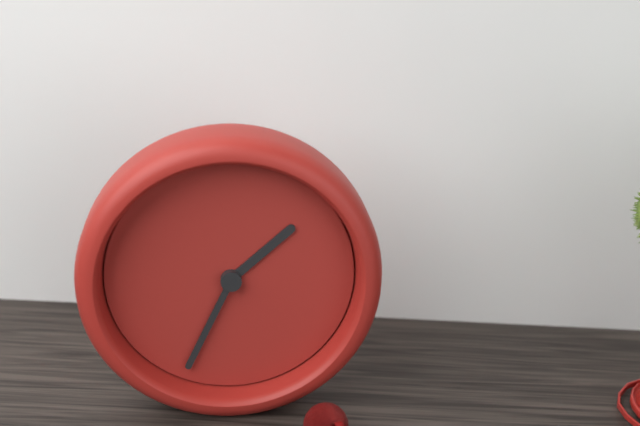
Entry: 1,34
